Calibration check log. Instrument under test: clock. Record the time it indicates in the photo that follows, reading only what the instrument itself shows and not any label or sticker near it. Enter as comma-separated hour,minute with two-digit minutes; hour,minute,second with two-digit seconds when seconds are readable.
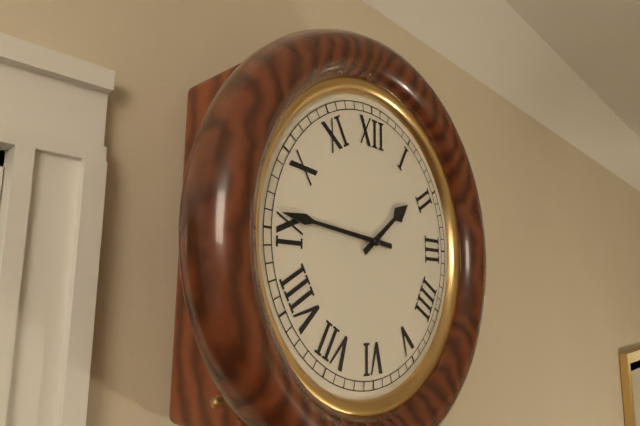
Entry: 1,46
